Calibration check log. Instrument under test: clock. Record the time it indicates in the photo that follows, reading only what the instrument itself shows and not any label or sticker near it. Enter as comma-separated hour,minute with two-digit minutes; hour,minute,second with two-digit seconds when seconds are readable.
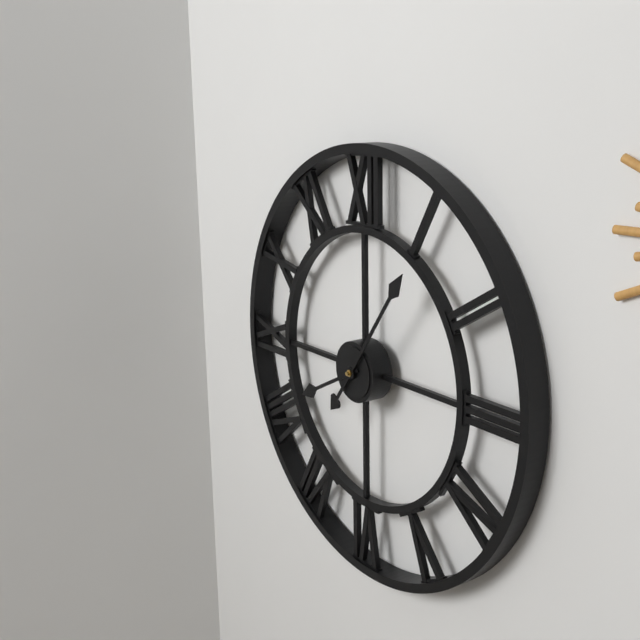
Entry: 8,06
